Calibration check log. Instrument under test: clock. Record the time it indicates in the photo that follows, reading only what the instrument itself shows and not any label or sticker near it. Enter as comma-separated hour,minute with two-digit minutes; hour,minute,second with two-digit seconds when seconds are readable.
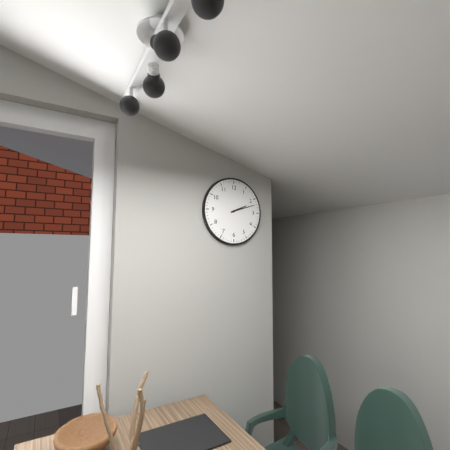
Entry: 2,12
